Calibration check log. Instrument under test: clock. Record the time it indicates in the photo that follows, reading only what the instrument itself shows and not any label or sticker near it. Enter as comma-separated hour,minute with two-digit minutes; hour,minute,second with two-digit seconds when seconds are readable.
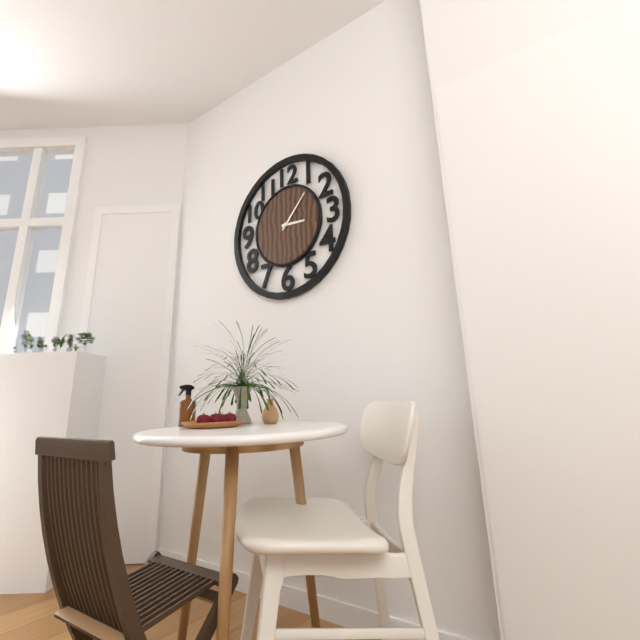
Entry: 3,07
